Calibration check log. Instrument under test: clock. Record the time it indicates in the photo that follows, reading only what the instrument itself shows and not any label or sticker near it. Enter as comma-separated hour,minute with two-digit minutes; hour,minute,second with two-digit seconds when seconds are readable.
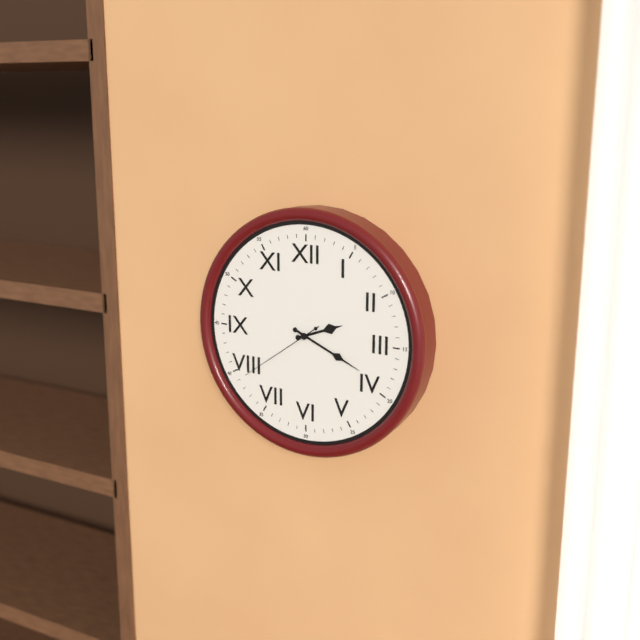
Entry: 2,19,39
